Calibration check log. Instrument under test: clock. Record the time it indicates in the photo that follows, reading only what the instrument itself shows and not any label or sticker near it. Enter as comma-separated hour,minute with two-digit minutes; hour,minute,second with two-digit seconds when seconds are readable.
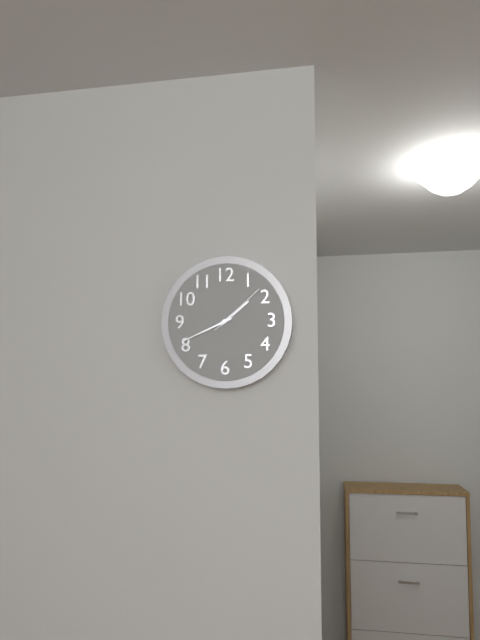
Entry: 1,41,08
